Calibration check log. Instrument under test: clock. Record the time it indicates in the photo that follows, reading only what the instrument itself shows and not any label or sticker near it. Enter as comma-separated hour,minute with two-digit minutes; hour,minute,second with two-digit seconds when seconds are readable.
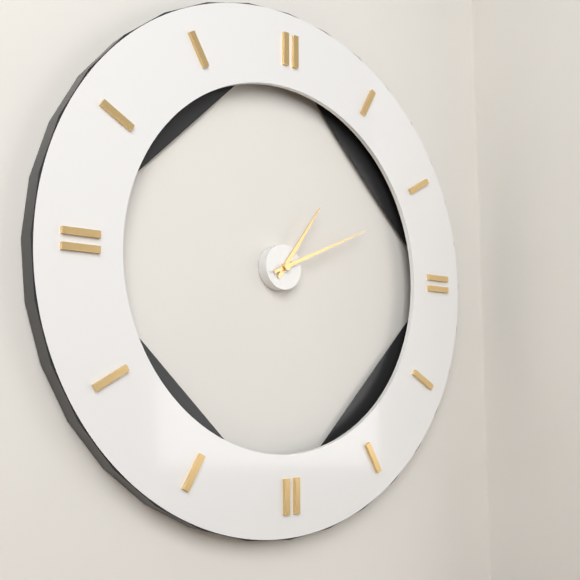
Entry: 1,11
